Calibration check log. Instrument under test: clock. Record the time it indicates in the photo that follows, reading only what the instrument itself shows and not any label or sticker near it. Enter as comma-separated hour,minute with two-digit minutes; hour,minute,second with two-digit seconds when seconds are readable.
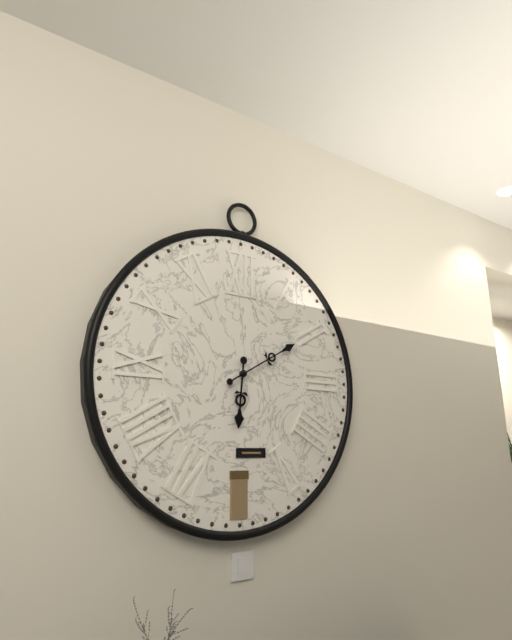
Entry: 6,10
